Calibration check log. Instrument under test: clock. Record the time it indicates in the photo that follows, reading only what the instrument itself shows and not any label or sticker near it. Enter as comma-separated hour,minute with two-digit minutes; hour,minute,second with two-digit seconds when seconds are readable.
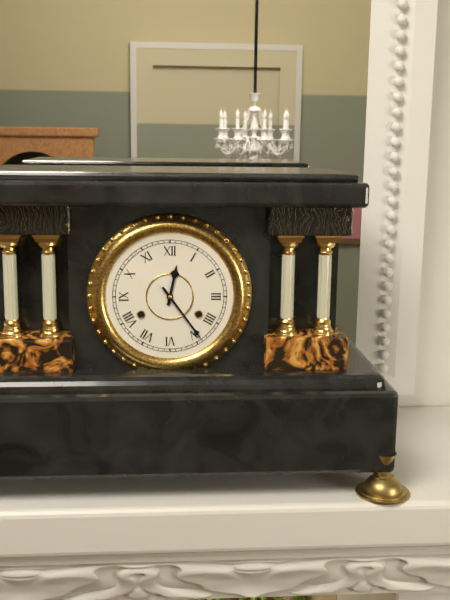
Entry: 12,24
